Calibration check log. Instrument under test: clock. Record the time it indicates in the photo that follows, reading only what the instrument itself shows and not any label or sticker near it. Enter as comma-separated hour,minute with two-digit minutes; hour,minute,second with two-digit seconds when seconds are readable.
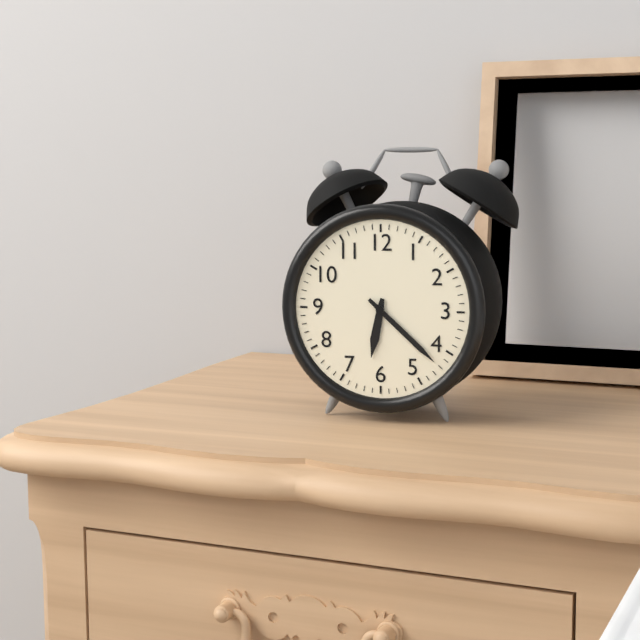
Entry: 6,22
